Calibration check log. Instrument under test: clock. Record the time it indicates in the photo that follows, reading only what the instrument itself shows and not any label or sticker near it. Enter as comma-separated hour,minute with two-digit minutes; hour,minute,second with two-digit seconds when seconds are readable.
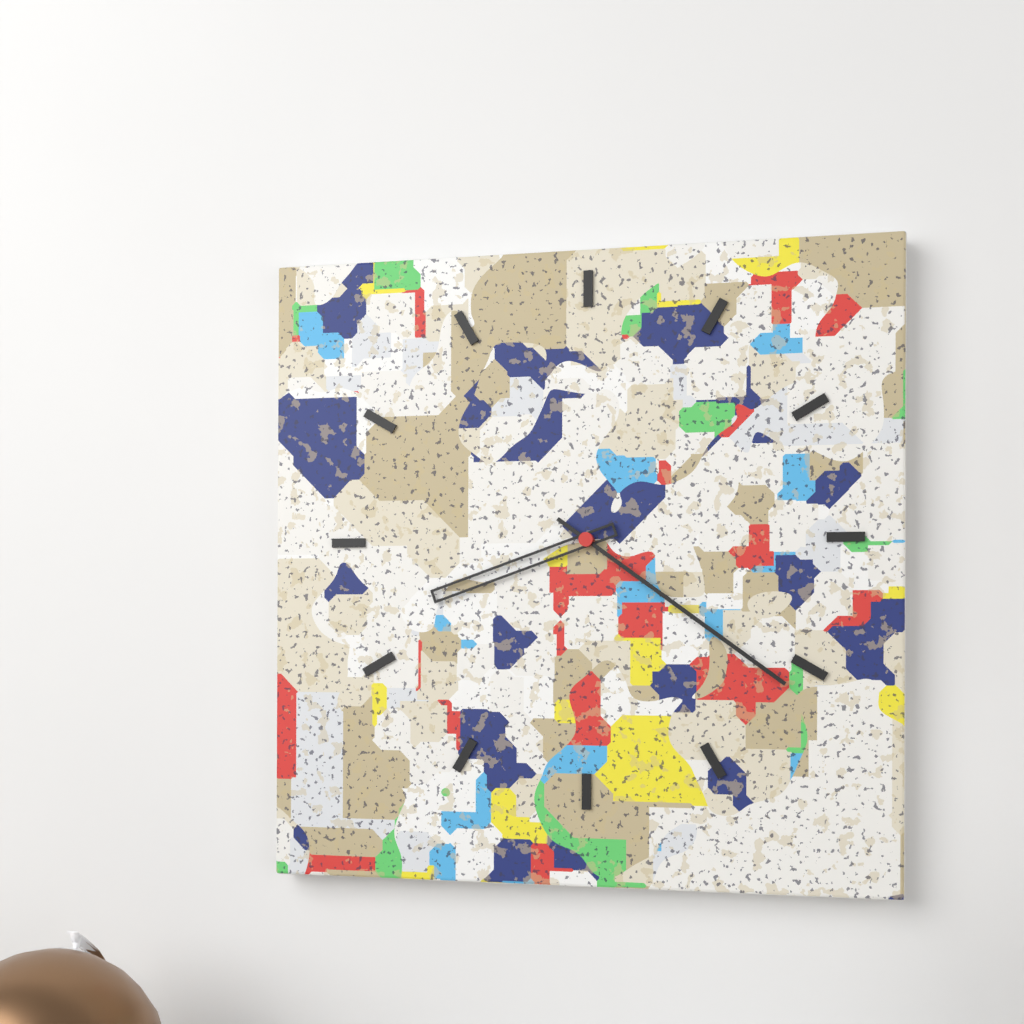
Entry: 8,21
